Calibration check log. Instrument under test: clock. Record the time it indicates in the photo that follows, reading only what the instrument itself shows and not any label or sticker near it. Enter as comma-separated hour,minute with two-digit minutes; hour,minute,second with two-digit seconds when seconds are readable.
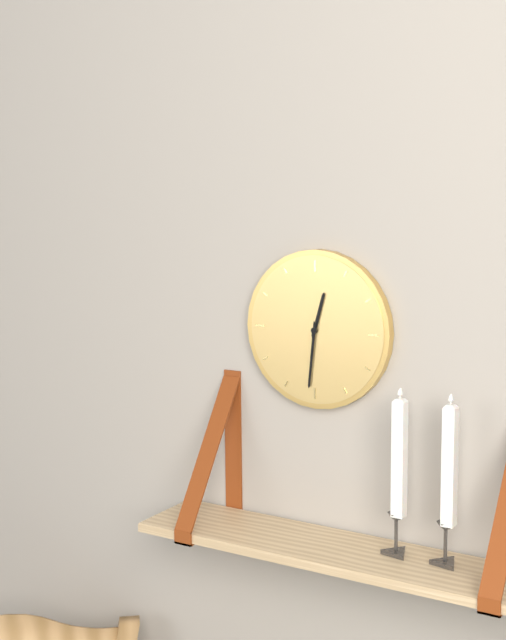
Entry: 12,31
